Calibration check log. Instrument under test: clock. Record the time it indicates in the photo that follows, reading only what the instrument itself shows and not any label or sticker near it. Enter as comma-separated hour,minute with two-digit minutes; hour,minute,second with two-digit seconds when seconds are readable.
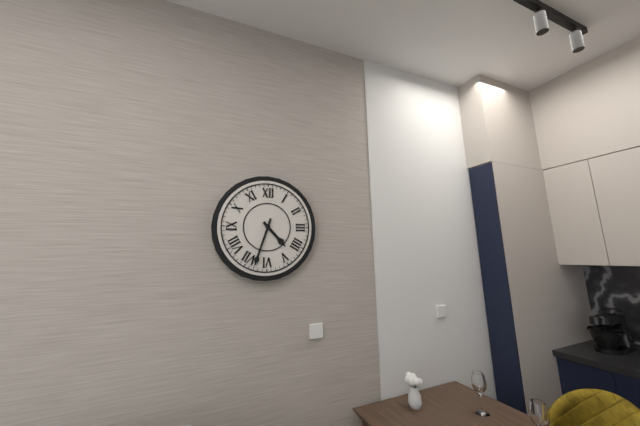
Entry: 4,33
